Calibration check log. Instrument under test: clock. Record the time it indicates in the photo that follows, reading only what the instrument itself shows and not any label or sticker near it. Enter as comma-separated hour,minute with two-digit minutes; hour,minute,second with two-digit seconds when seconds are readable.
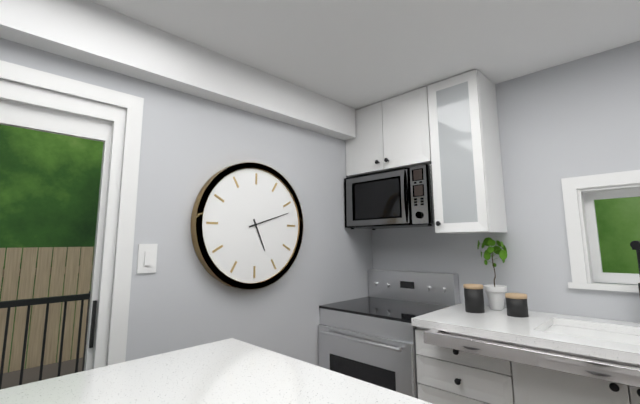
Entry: 5,12
